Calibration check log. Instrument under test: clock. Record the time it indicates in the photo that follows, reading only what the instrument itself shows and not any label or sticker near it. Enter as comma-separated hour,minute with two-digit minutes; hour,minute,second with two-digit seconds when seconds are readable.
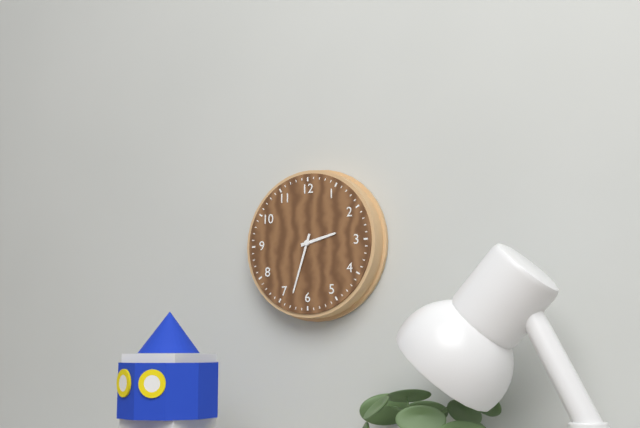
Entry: 2,33
